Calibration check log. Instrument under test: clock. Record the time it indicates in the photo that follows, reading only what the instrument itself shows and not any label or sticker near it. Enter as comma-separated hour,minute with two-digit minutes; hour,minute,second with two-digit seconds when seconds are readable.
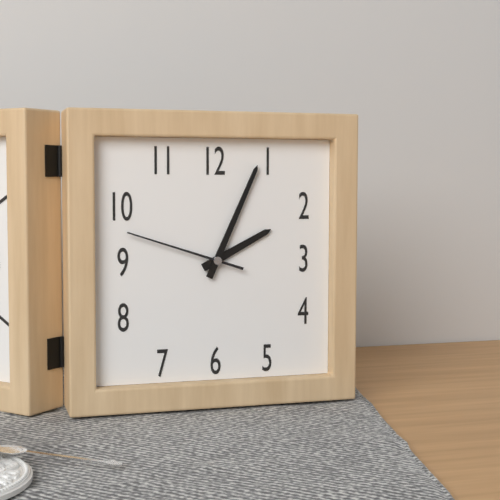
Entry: 2,04,48
